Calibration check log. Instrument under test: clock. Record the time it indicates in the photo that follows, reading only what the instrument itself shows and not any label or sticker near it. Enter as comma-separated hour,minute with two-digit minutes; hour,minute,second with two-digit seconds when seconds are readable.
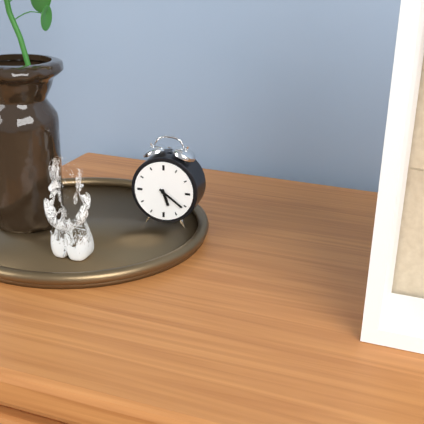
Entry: 5,21
